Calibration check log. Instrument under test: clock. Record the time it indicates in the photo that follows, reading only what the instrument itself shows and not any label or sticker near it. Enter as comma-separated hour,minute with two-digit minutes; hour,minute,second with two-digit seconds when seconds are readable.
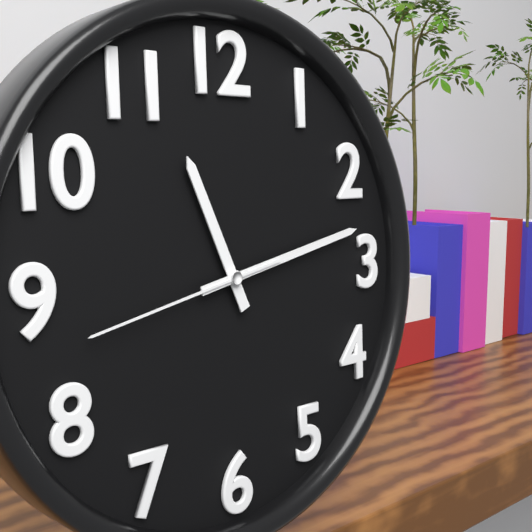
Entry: 11,13,43
